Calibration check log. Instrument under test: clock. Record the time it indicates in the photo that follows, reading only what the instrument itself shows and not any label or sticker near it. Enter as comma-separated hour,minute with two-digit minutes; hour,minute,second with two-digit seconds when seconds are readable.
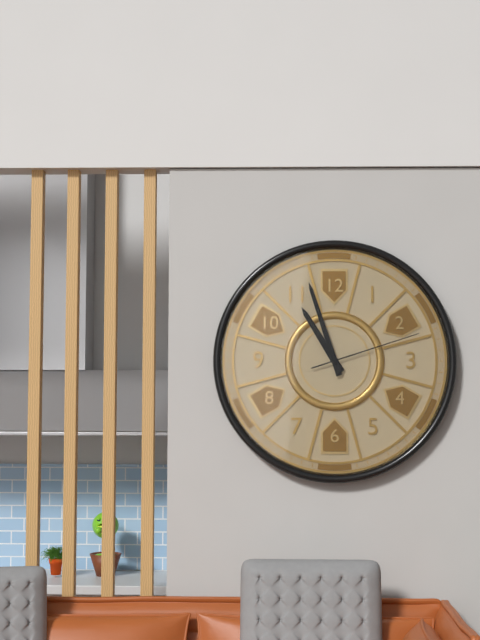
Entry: 10,57,12
